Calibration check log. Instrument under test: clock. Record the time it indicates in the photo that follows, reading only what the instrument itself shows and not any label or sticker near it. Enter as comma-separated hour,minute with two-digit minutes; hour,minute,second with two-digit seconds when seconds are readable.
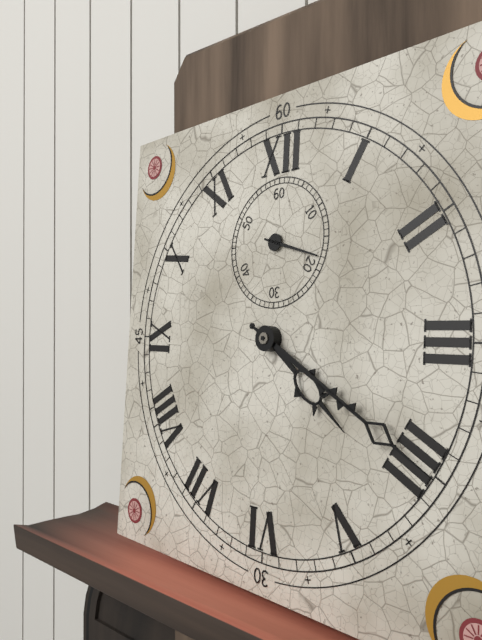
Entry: 4,20,18
